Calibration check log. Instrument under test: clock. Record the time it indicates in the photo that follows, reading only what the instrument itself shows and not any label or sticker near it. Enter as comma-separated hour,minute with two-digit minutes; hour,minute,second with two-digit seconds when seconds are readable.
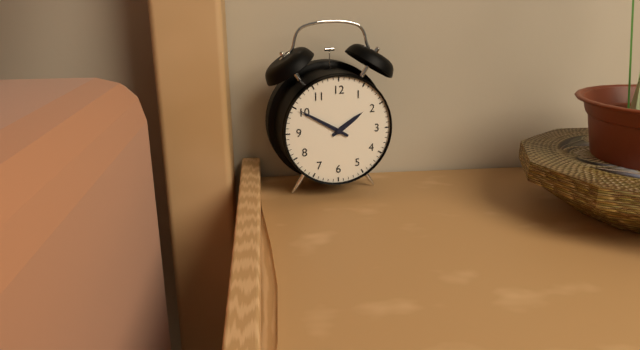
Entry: 1,50
